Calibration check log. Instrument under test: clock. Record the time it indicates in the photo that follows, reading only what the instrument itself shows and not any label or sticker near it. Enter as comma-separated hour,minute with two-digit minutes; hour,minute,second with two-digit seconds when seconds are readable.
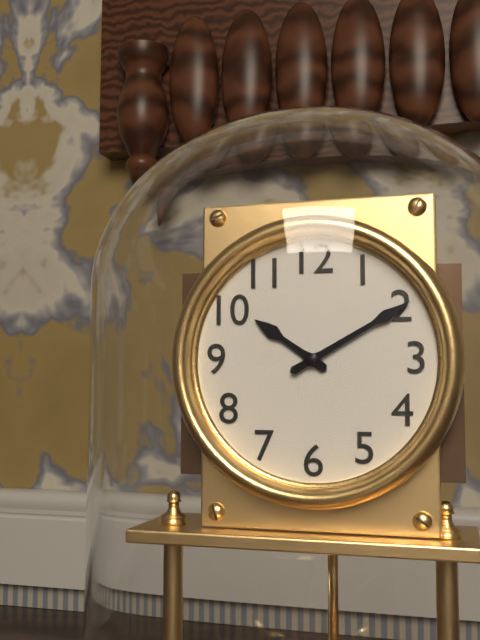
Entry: 10,10
